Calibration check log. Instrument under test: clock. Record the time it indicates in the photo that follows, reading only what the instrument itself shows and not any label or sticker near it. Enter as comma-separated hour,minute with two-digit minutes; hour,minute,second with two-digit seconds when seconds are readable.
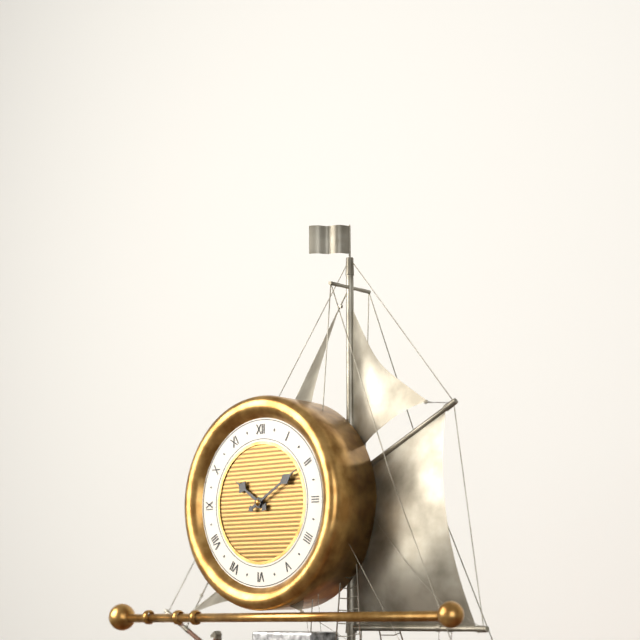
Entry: 10,10
